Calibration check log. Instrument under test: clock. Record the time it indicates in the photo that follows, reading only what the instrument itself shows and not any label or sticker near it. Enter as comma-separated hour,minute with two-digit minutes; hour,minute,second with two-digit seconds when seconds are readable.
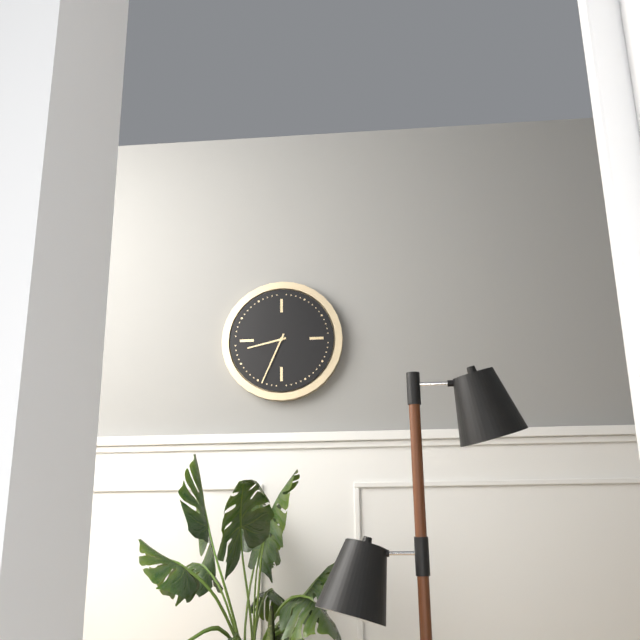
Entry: 8,34
